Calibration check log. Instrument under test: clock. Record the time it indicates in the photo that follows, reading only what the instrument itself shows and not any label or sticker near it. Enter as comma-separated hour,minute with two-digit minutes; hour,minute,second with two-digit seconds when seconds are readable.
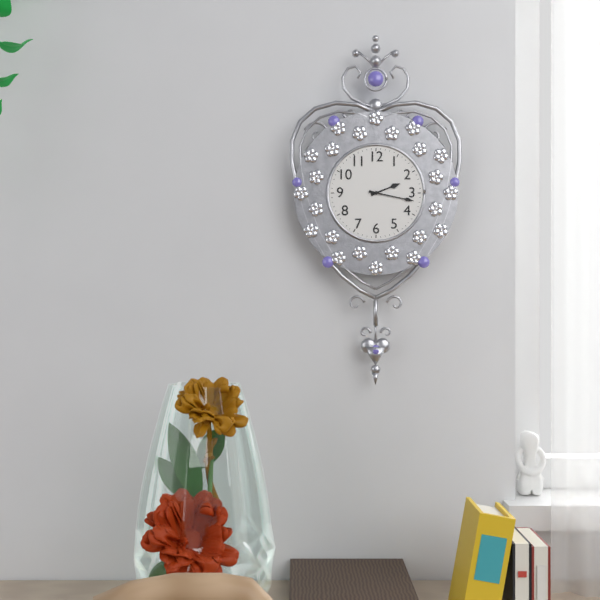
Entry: 2,17
